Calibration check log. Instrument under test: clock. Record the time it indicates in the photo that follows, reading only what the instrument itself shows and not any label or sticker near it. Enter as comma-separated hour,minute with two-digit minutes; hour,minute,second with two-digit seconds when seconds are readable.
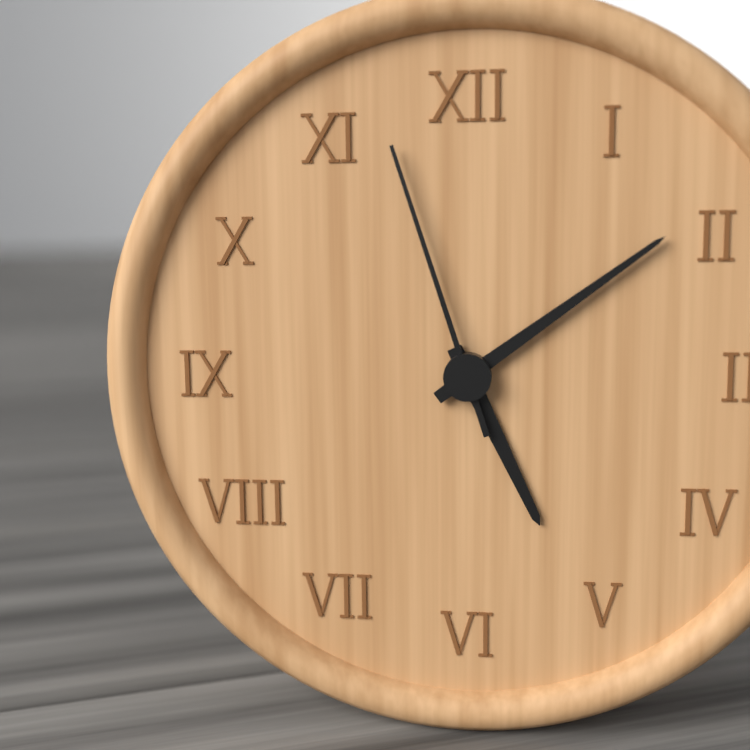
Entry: 5,09,57
